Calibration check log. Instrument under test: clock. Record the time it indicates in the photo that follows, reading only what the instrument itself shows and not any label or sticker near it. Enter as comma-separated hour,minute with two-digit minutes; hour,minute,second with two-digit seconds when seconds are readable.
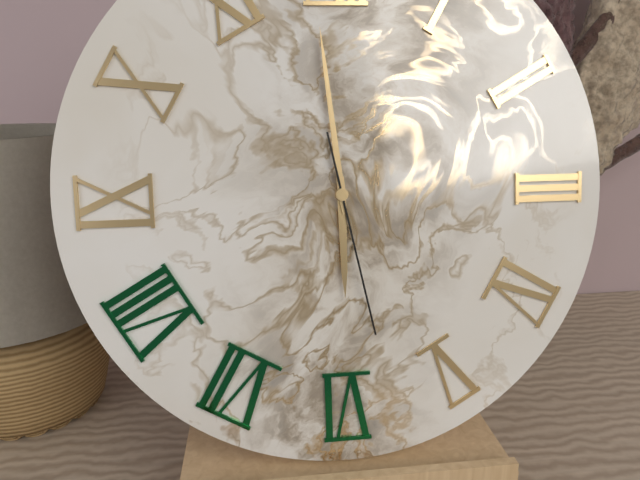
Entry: 5,59,28
